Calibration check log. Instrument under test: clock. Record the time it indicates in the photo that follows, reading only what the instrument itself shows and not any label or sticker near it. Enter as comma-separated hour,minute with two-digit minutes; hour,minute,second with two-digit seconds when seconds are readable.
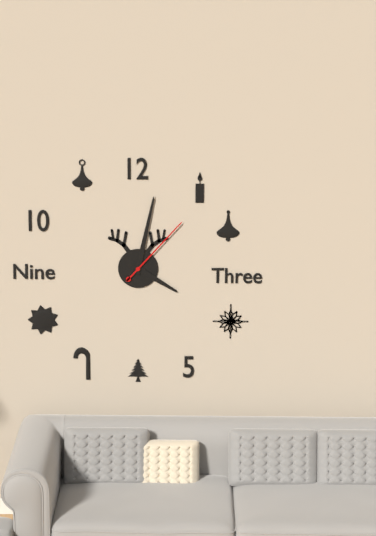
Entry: 4,02,07
